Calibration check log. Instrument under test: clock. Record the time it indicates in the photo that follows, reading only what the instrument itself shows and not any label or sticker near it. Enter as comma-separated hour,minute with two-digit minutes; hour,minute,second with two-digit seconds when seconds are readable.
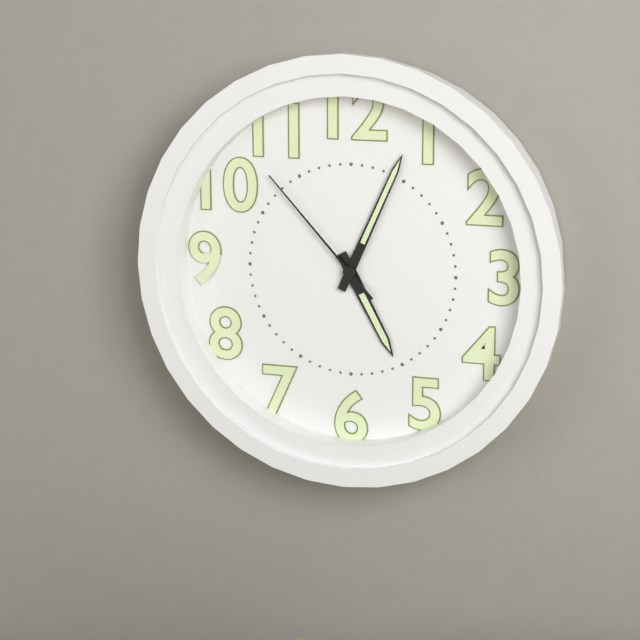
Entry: 5,04,53
